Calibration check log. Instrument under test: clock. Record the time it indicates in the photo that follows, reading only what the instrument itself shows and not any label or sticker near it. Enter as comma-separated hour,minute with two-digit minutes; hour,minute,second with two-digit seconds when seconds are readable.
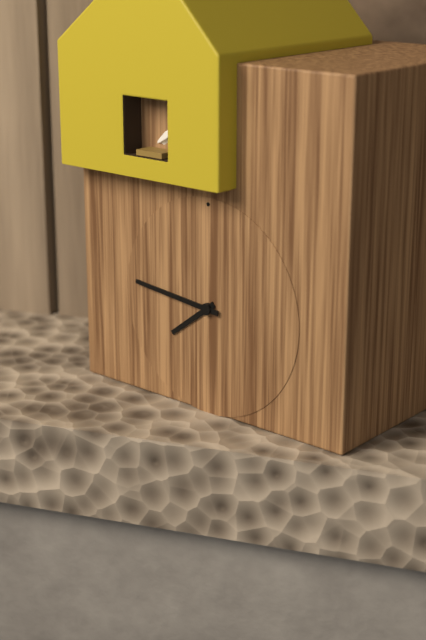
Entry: 7,46
